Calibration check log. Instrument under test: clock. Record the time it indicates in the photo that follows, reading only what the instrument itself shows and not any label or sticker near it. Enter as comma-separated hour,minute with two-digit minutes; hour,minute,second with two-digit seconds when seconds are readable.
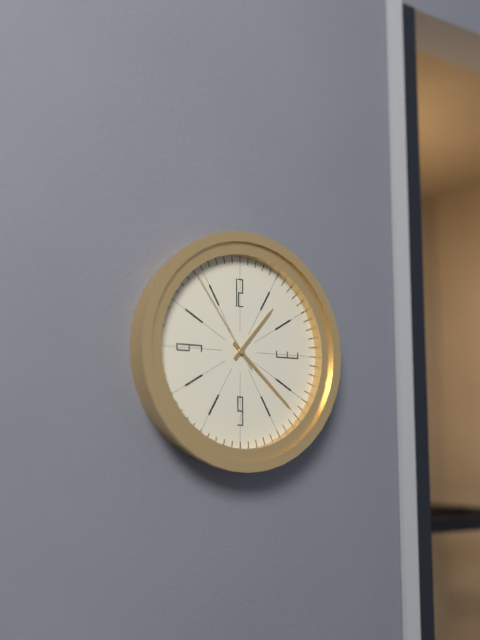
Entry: 1,22,54
